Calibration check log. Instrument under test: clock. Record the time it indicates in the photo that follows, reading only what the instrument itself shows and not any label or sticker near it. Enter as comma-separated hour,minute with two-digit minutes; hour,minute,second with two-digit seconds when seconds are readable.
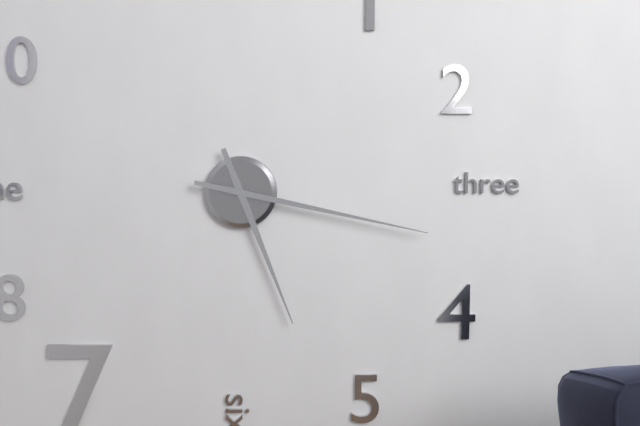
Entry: 5,17
